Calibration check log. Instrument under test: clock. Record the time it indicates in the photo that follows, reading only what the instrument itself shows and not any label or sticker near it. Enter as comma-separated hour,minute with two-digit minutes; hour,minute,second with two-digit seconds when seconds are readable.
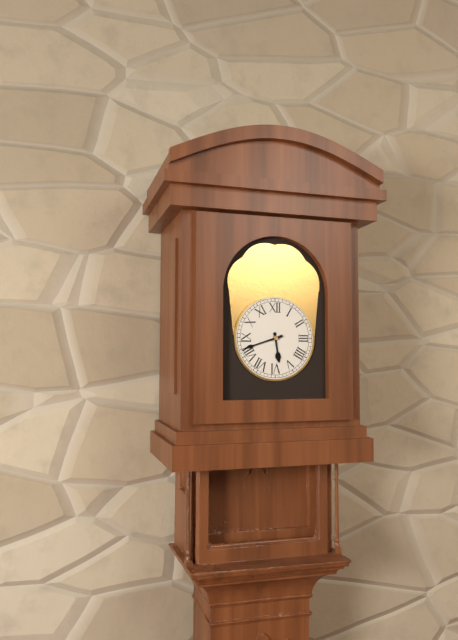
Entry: 5,42
